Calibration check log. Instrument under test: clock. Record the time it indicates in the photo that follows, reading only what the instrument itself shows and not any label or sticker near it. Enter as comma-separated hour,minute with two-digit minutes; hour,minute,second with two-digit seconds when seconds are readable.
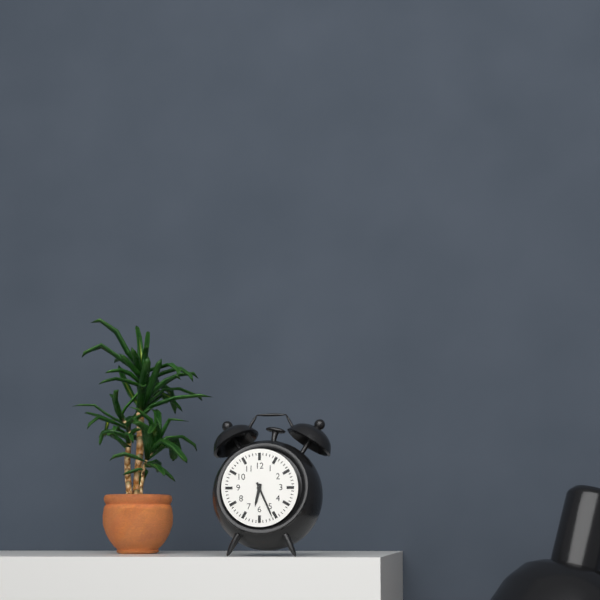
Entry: 6,26
